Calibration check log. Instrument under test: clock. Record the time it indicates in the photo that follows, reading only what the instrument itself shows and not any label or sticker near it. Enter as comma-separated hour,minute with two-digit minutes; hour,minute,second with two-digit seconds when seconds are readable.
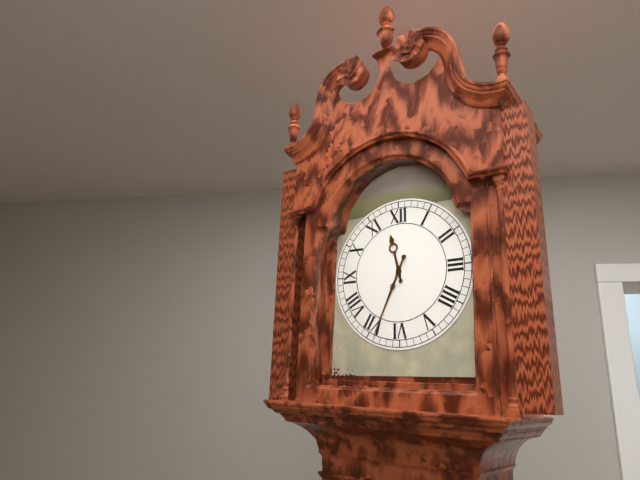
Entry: 11,34
